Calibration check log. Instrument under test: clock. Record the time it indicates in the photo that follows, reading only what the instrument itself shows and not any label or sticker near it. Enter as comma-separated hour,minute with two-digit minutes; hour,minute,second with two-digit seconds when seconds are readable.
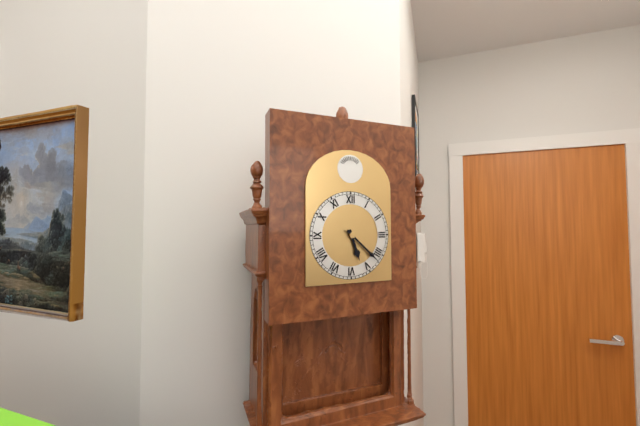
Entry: 5,22
